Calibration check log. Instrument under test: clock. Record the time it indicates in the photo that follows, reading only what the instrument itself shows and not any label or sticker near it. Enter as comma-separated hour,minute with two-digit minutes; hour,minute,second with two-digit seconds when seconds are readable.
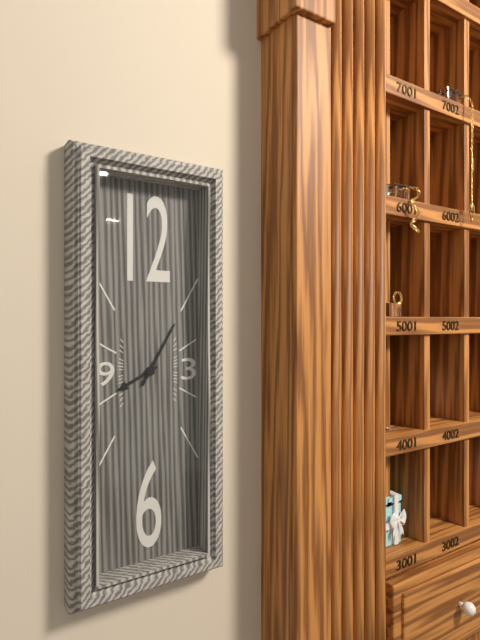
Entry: 8,05
